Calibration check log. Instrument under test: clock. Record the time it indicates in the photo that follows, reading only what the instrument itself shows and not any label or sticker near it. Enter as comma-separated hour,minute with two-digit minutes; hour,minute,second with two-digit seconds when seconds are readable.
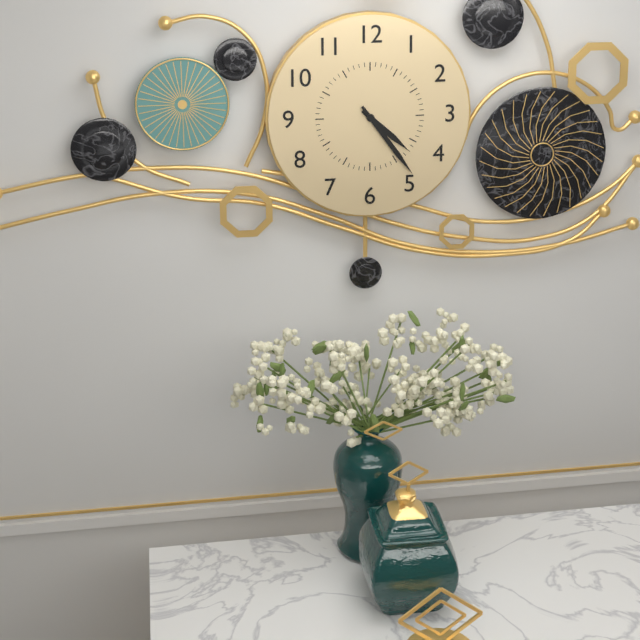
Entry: 4,24
